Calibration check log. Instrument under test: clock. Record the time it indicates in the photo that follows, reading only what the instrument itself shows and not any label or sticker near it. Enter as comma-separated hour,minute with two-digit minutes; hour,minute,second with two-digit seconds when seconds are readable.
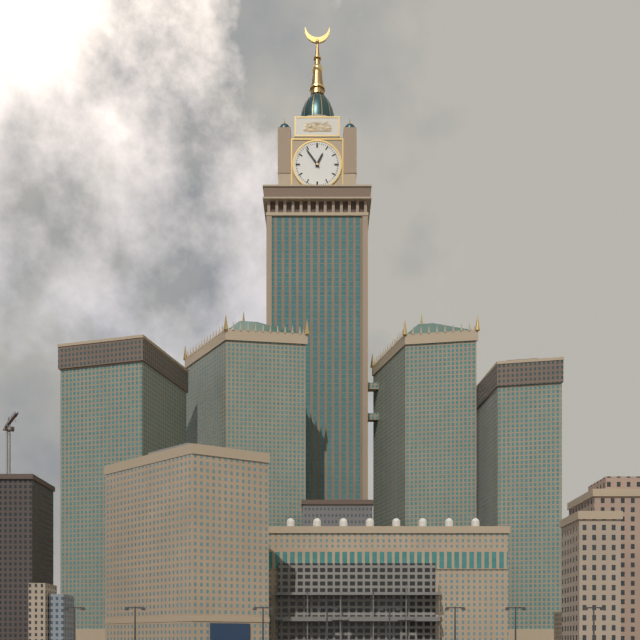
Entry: 12,54
